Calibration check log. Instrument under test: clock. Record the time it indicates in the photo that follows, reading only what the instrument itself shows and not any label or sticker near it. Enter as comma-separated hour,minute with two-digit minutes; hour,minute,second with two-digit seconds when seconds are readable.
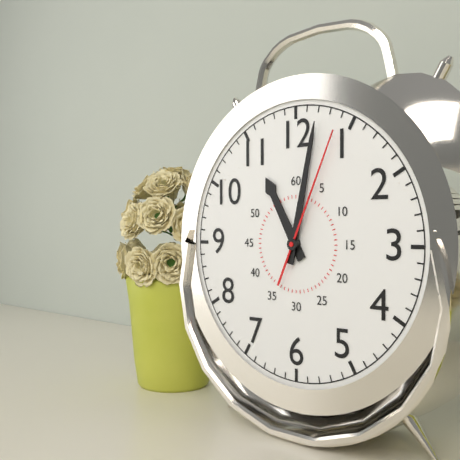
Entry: 11,02,04
